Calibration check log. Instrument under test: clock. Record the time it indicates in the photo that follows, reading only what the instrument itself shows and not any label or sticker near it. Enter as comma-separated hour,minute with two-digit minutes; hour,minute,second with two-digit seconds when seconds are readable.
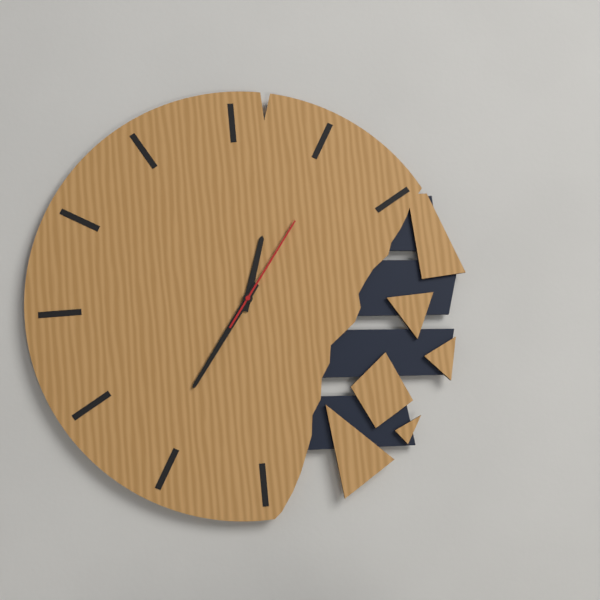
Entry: 12,36,06
